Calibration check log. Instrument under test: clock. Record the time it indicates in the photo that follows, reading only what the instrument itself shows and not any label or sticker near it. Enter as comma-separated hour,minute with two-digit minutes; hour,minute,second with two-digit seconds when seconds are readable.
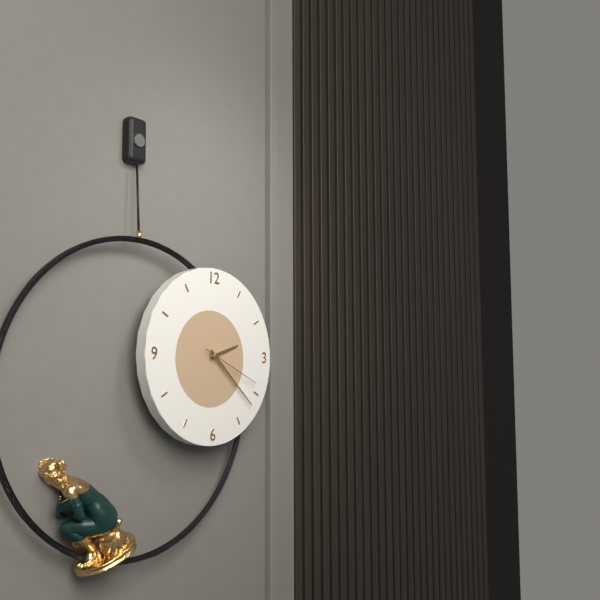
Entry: 2,22,19
